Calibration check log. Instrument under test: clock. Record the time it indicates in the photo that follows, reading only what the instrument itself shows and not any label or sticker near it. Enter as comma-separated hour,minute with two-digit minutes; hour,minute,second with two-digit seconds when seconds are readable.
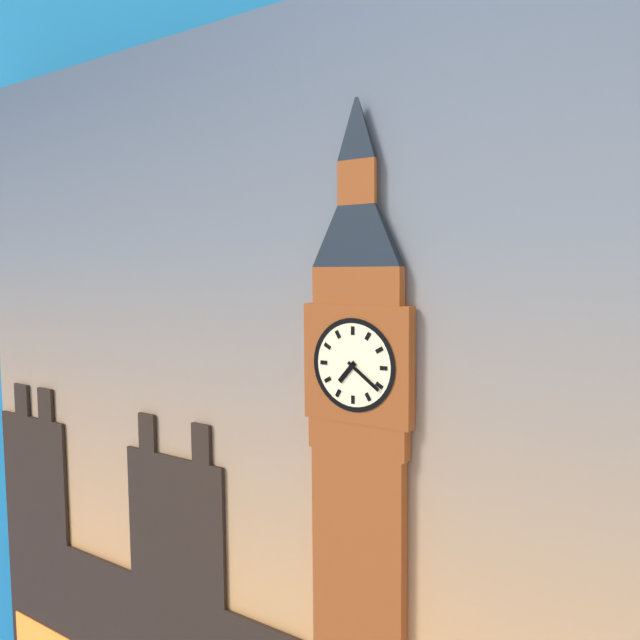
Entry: 7,21
